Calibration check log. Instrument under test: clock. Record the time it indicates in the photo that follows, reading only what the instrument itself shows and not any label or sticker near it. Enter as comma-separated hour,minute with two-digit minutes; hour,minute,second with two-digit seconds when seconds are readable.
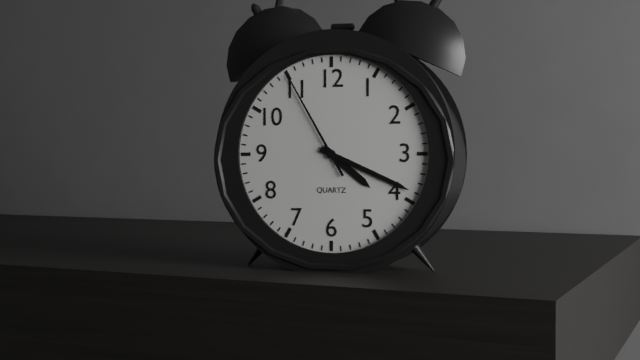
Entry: 4,19,55
